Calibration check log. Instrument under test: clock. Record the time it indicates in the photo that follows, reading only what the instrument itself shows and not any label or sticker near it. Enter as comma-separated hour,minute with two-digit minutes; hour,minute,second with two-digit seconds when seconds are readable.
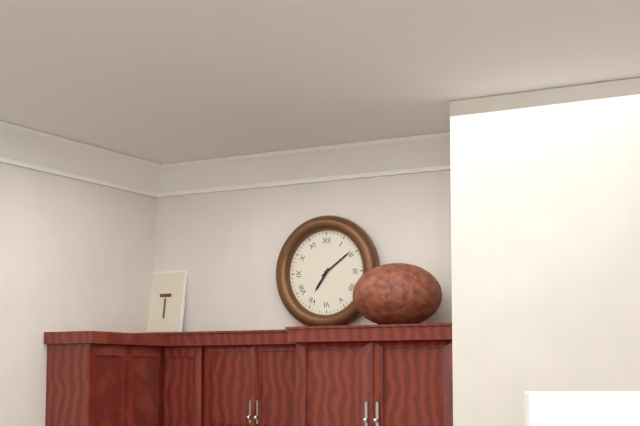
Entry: 7,09
